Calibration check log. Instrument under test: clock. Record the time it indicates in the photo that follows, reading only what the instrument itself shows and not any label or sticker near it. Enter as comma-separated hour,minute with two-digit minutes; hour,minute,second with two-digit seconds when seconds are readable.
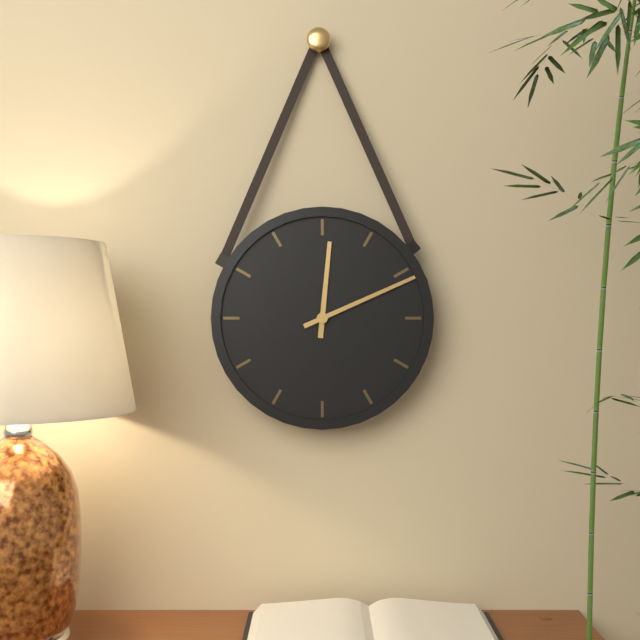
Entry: 12,11
